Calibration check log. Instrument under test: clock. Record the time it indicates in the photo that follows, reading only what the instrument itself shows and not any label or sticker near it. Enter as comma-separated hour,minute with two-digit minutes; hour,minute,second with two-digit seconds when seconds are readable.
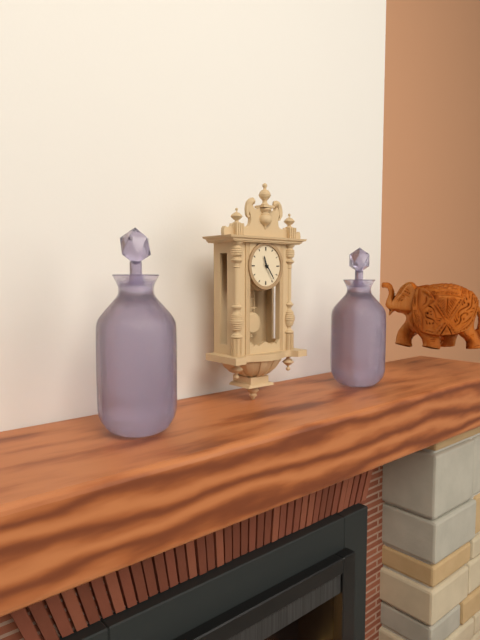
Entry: 11,24
